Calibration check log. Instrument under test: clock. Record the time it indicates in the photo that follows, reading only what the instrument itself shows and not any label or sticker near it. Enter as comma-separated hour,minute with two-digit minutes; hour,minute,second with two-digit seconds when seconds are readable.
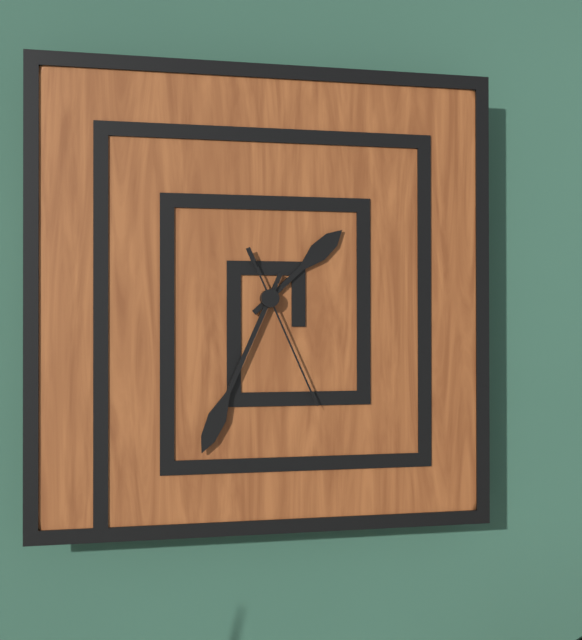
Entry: 1,34,26
